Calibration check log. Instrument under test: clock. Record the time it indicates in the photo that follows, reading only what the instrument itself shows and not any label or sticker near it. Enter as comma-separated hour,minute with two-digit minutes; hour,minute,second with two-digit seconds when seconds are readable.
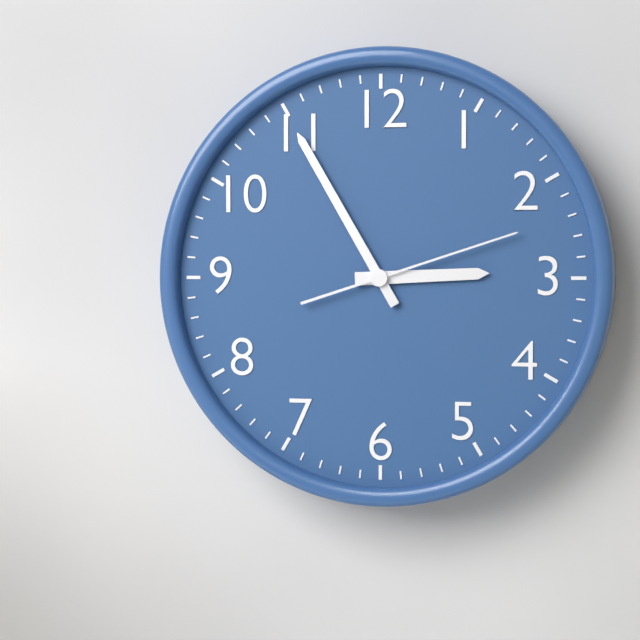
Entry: 2,55,12
